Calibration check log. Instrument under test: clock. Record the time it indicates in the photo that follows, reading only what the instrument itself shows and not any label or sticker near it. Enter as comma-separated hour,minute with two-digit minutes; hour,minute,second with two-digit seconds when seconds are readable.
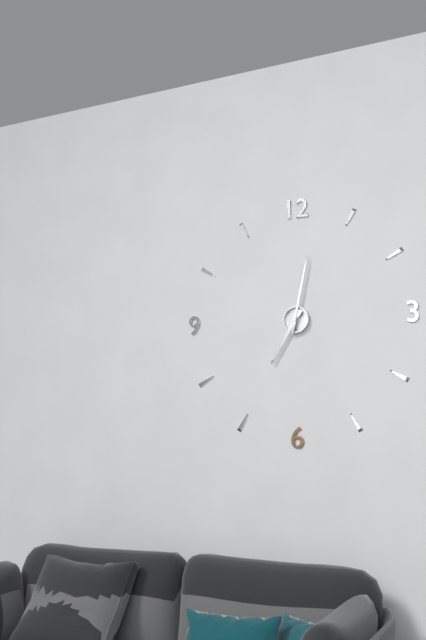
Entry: 7,02
